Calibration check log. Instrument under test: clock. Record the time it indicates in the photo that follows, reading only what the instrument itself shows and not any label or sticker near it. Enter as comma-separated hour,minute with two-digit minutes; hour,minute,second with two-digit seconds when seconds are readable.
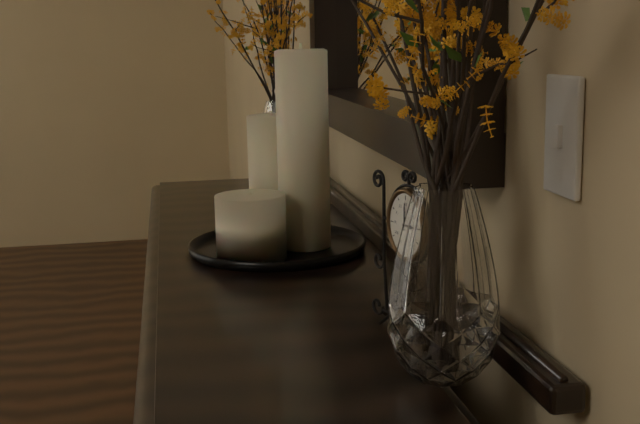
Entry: 3,00
